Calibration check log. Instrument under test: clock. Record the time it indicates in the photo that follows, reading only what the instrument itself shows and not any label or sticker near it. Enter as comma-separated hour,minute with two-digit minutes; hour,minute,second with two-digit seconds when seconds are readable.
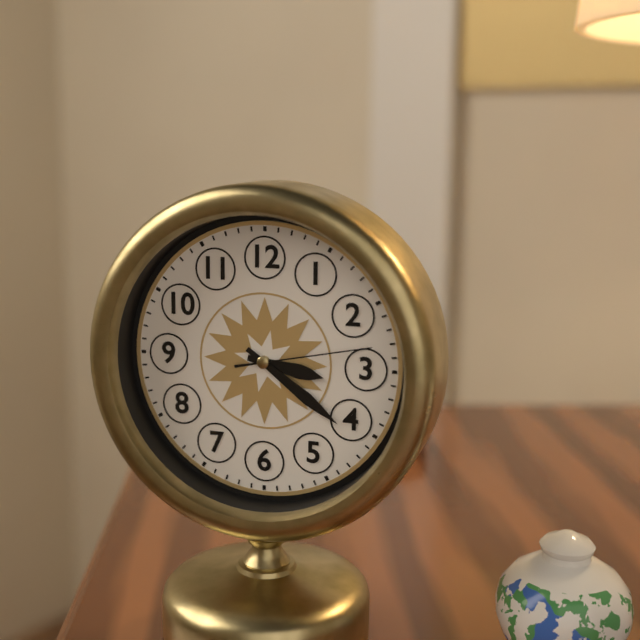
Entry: 3,21,13
